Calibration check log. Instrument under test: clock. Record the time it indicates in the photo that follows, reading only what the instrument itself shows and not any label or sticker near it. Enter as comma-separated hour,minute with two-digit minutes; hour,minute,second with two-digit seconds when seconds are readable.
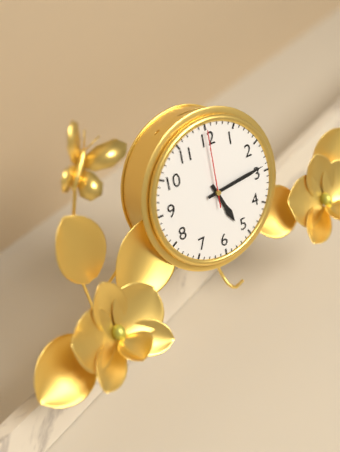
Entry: 5,14,00
